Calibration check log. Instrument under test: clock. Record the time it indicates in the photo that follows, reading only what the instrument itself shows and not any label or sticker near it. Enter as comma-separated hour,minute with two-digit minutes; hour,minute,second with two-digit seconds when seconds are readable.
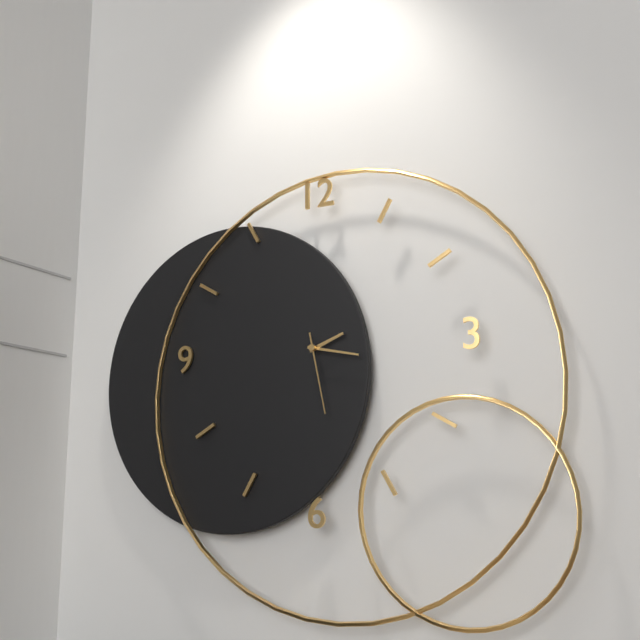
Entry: 2,17,28
